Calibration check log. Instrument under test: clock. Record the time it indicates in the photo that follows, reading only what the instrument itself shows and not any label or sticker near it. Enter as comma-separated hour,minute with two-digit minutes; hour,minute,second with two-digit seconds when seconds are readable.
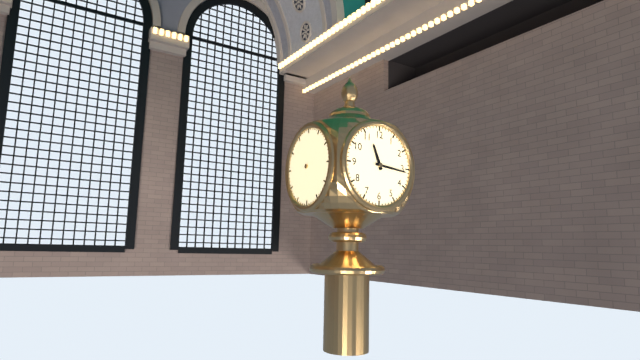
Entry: 11,16
